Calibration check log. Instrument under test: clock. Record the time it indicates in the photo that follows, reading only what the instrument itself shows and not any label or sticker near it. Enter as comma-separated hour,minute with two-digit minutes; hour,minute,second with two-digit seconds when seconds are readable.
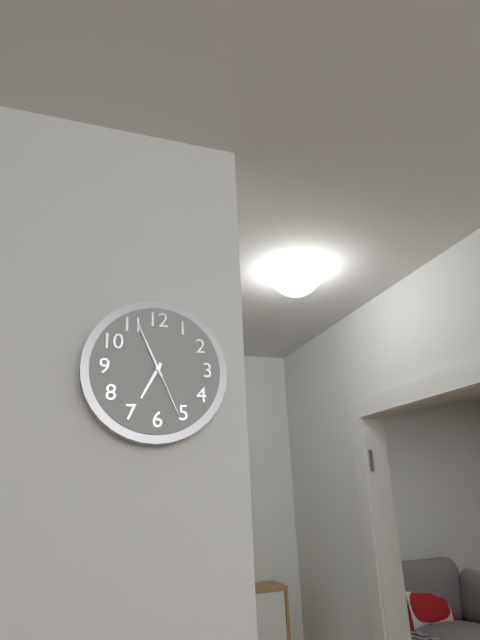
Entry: 6,56,26
